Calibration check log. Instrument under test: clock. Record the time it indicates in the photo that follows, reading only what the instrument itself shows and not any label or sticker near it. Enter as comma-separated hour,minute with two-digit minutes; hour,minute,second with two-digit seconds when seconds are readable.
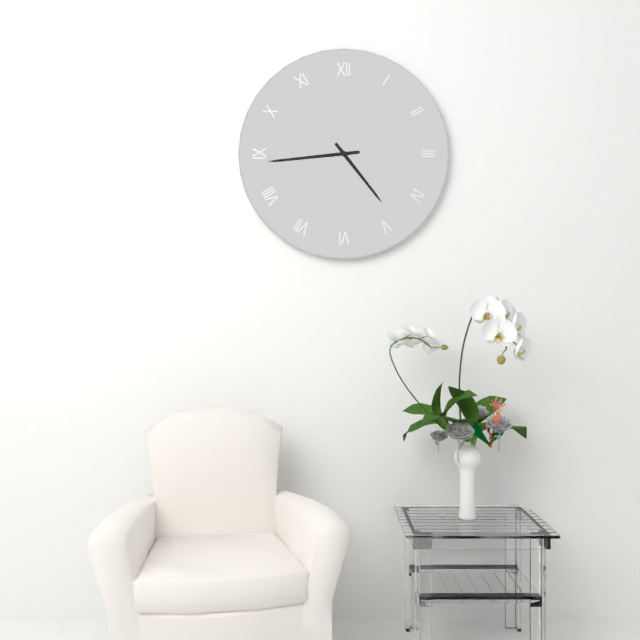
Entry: 4,44
